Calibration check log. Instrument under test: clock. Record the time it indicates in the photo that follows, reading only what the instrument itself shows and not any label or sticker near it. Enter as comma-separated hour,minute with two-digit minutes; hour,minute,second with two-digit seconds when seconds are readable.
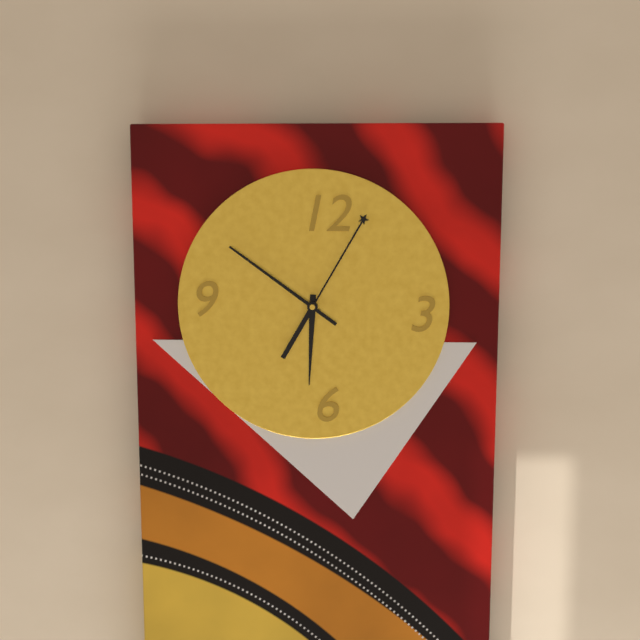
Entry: 6,05,51
